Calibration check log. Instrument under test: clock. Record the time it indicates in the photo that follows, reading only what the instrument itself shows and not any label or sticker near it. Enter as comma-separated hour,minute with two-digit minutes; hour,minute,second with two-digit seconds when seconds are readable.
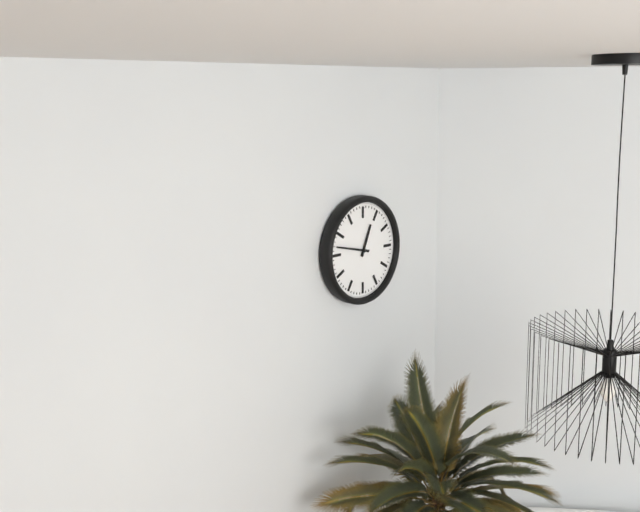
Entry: 12,47
